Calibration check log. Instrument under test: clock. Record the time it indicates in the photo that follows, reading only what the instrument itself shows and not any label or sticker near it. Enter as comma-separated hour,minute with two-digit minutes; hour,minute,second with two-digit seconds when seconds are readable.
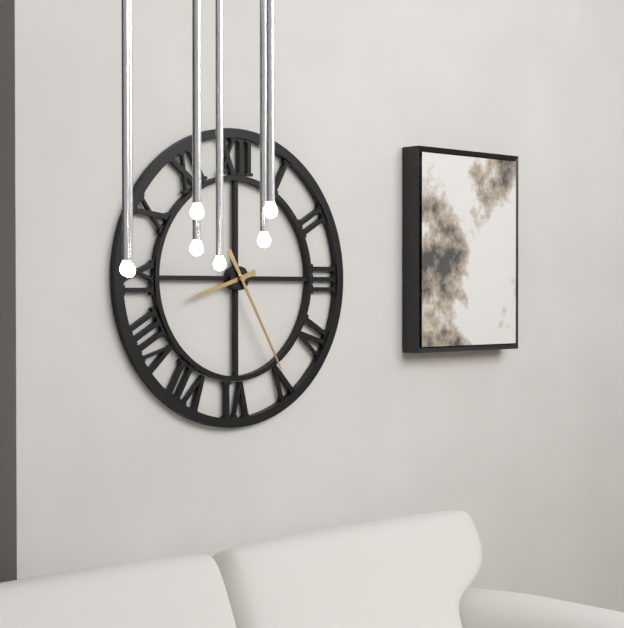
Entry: 8,25
